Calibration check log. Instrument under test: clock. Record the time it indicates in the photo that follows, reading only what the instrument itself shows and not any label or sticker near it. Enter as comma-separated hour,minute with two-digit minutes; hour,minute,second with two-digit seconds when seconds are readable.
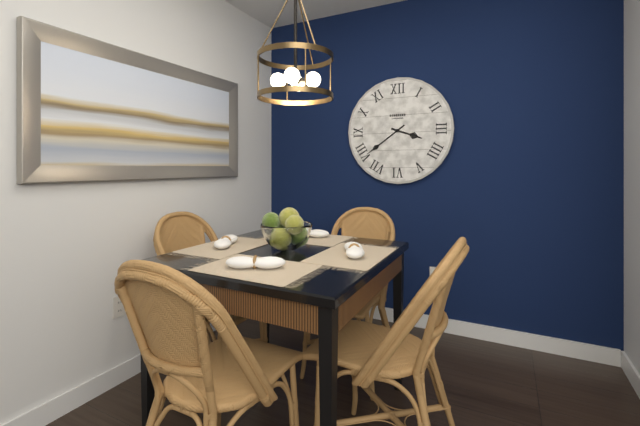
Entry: 3,39
